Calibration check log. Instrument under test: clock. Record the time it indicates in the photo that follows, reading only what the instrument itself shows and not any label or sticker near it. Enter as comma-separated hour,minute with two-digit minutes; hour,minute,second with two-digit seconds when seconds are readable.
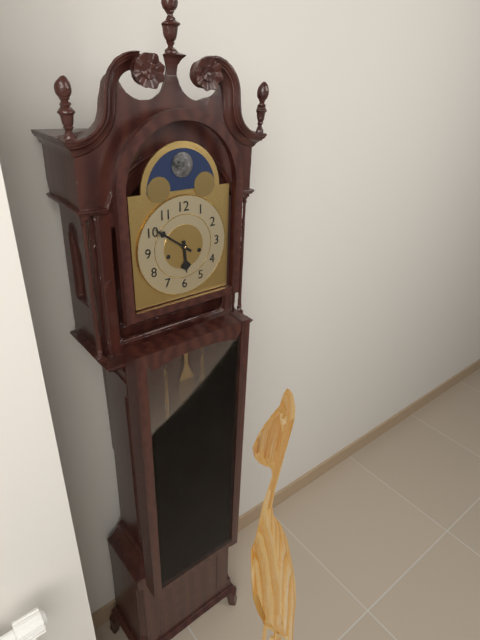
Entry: 5,51
